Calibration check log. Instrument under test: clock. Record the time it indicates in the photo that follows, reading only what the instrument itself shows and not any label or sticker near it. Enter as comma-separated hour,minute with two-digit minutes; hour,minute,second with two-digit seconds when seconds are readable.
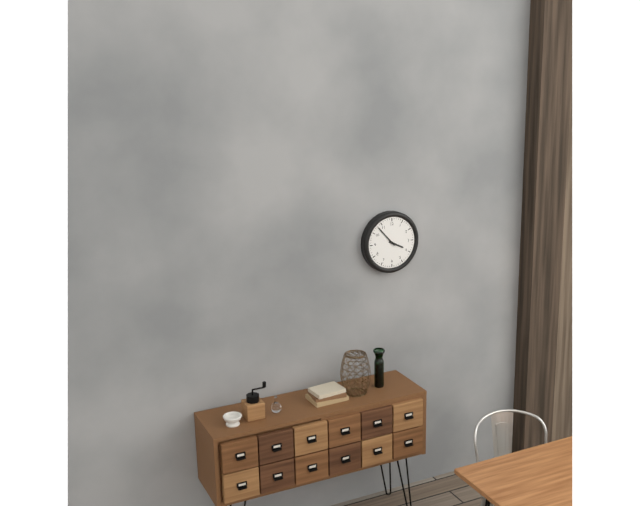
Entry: 3,53
